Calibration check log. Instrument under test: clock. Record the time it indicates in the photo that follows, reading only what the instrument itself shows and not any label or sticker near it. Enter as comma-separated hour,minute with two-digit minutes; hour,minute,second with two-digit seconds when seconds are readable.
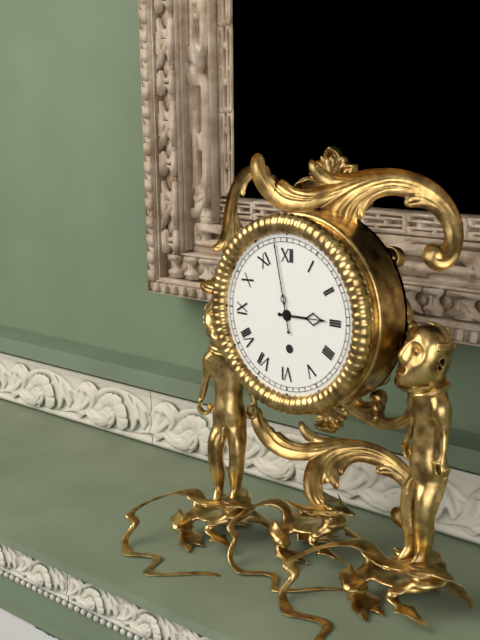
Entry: 2,58
